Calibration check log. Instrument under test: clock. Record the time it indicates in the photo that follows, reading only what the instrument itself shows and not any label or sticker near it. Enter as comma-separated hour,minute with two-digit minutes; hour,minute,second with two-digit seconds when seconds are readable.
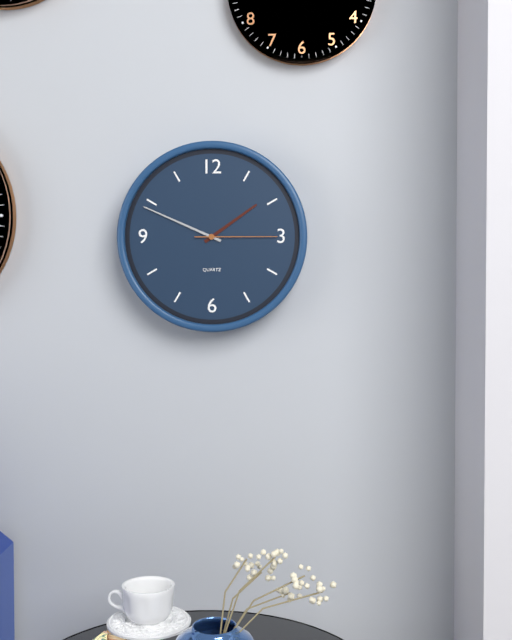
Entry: 1,49,15
